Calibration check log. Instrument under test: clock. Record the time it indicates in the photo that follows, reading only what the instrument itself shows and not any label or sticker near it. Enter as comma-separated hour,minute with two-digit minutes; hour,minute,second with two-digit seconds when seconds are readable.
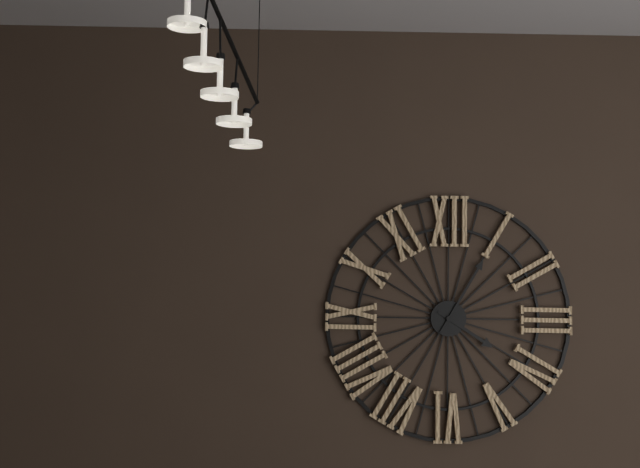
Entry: 4,05
